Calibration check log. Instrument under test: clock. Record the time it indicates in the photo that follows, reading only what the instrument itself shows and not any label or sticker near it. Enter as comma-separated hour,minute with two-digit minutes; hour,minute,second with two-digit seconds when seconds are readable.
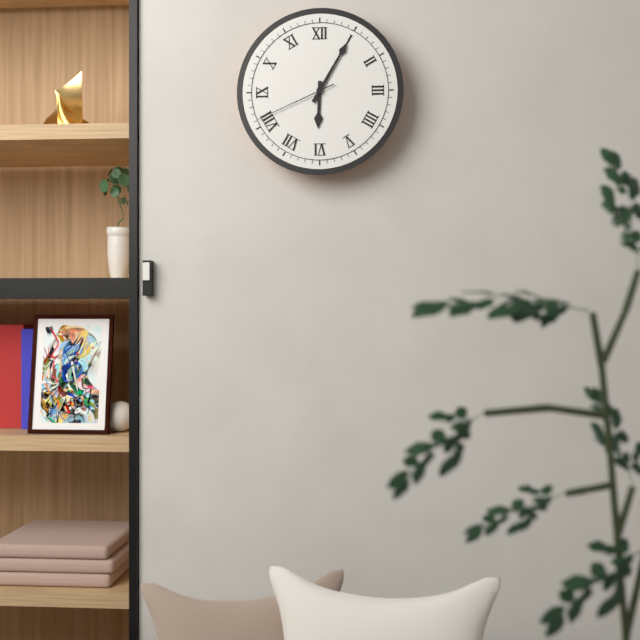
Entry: 6,05,41
